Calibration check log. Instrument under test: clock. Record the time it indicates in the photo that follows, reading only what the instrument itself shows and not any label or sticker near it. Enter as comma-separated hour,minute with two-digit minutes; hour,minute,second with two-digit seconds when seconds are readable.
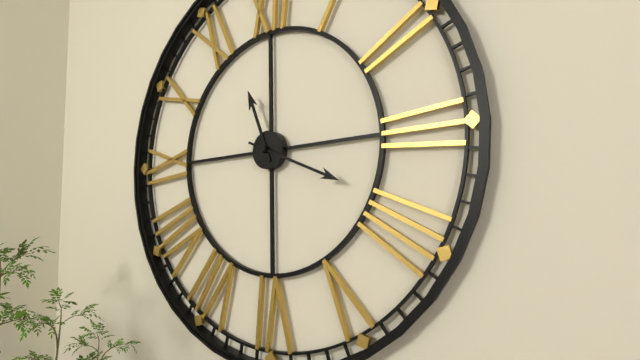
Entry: 11,19
